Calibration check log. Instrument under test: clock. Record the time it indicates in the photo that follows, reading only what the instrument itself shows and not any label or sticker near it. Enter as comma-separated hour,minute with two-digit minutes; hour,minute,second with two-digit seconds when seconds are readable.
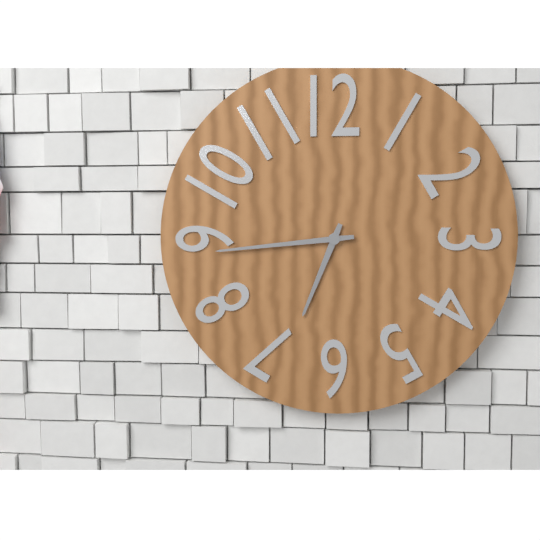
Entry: 6,44
